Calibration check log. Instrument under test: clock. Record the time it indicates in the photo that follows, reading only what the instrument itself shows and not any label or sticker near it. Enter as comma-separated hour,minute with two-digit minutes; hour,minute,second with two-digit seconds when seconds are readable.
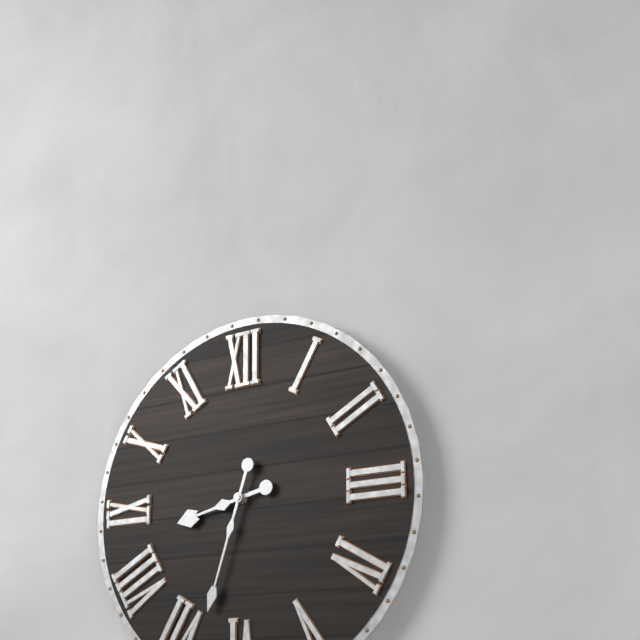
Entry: 8,33
